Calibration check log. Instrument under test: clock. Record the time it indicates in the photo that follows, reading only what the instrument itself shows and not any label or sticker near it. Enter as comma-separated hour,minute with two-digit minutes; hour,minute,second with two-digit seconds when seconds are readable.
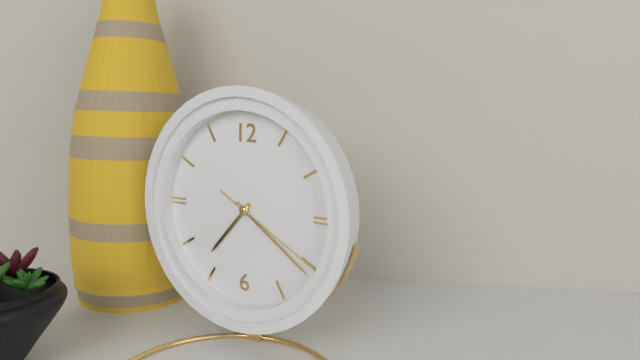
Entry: 7,21,20
